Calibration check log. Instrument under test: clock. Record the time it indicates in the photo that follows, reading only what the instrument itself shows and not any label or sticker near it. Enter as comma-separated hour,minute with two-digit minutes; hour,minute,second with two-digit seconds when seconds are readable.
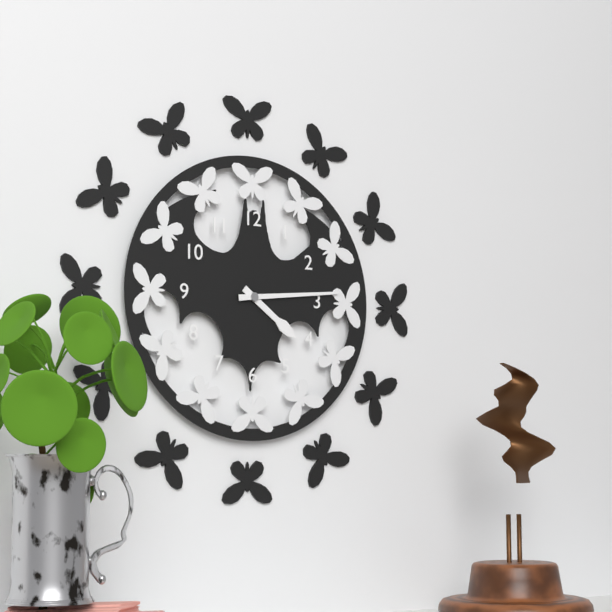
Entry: 4,14
